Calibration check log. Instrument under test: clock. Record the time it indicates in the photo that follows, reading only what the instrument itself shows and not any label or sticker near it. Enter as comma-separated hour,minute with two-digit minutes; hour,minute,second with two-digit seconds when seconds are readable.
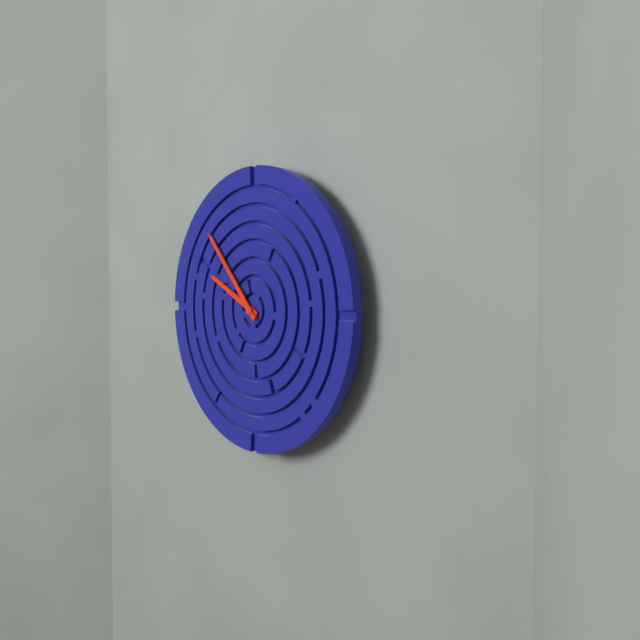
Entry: 9,53
